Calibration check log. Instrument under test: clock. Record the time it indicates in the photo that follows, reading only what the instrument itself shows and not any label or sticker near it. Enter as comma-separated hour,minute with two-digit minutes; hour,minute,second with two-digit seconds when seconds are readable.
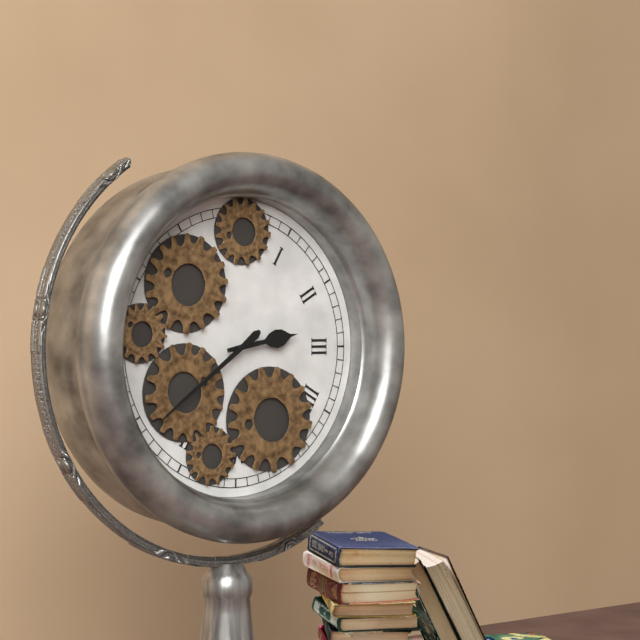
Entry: 2,39
